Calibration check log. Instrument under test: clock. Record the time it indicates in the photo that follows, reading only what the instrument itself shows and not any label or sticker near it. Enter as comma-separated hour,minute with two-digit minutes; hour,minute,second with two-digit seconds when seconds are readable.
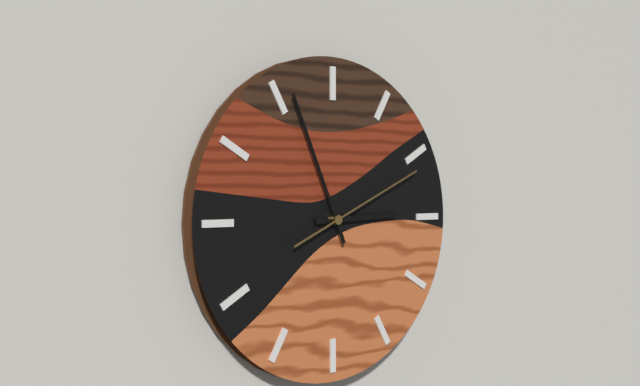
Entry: 2,56,11
